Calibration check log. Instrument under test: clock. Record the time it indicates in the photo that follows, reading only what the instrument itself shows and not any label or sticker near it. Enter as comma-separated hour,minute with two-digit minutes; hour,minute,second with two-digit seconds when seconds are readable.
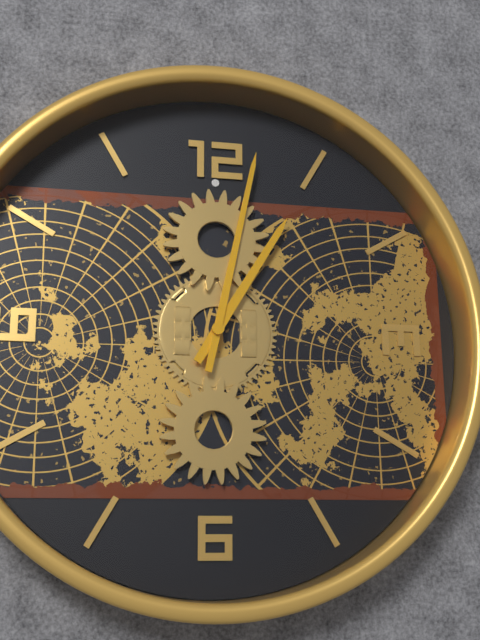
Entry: 1,02
